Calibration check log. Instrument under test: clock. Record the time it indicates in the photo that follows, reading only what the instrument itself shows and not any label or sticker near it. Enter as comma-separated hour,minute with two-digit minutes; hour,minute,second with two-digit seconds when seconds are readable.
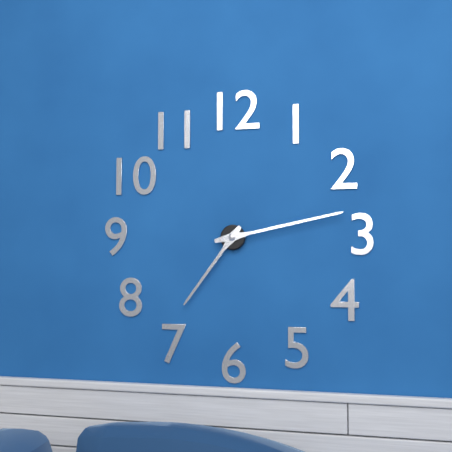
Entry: 7,13
